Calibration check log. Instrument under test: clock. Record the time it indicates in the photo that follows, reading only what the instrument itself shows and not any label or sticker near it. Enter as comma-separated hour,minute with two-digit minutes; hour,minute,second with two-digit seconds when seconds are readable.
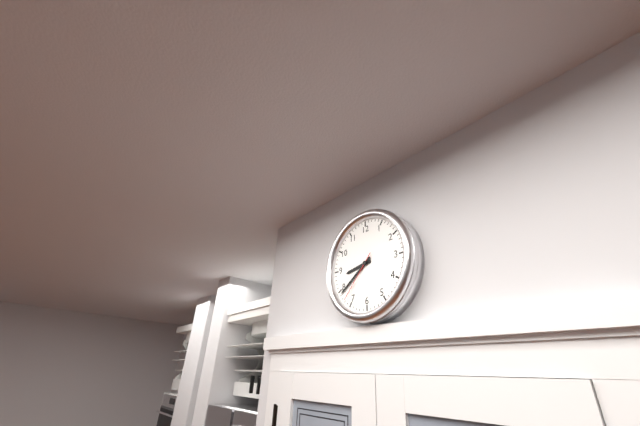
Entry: 8,39,37
